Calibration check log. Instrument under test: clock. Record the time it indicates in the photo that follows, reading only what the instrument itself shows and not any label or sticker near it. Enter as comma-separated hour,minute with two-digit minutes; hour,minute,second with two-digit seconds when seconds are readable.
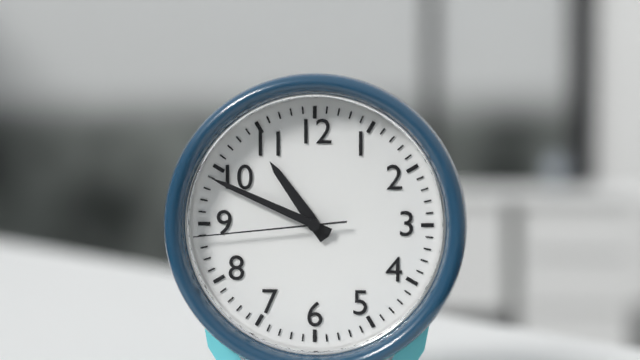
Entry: 10,49,44
